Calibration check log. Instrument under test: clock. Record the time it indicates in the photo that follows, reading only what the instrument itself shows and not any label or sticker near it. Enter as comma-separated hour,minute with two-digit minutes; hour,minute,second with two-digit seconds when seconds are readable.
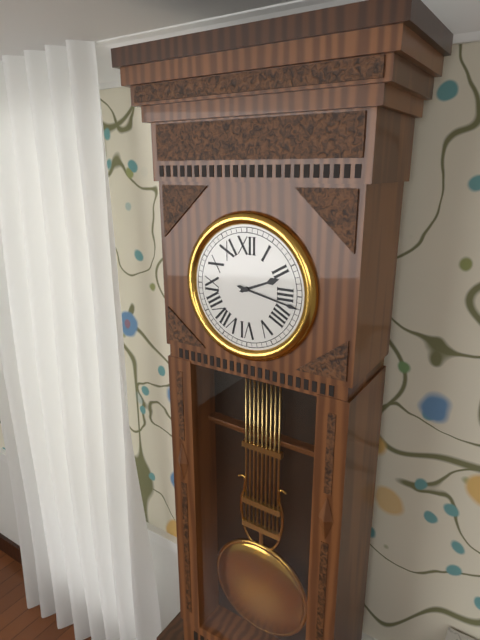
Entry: 2,17
